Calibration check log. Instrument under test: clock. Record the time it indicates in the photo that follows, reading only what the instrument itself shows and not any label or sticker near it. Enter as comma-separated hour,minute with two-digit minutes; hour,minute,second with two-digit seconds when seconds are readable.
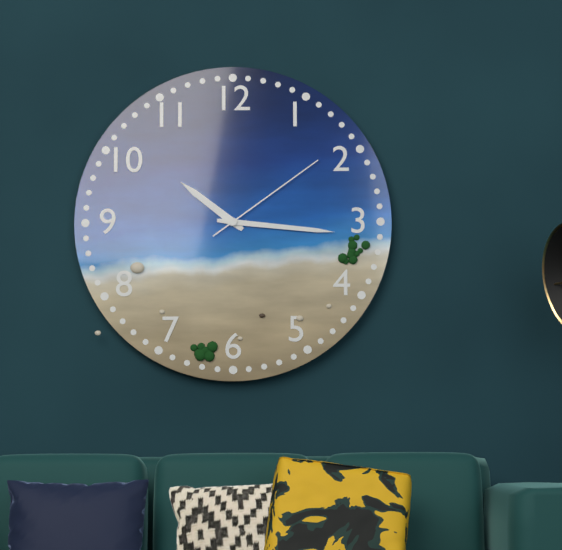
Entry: 10,16,09
